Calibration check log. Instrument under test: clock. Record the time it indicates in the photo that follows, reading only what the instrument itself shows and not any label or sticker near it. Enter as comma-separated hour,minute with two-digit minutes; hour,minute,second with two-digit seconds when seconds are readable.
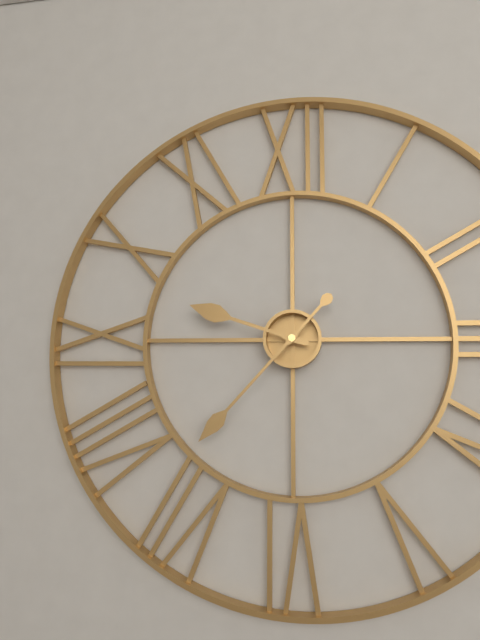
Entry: 9,37
